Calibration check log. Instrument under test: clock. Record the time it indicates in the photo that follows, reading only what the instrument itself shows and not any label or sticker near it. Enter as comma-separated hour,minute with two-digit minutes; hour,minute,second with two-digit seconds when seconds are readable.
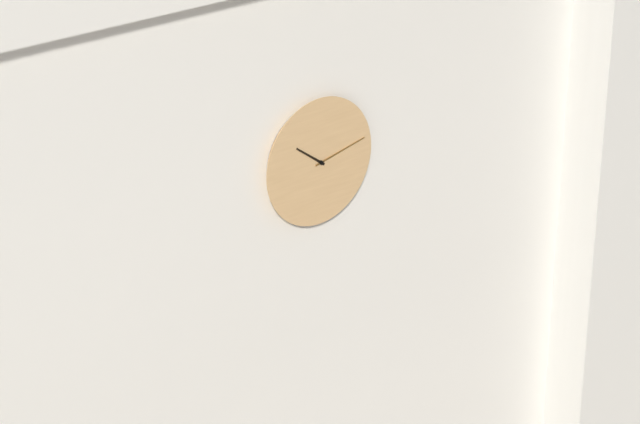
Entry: 10,13
